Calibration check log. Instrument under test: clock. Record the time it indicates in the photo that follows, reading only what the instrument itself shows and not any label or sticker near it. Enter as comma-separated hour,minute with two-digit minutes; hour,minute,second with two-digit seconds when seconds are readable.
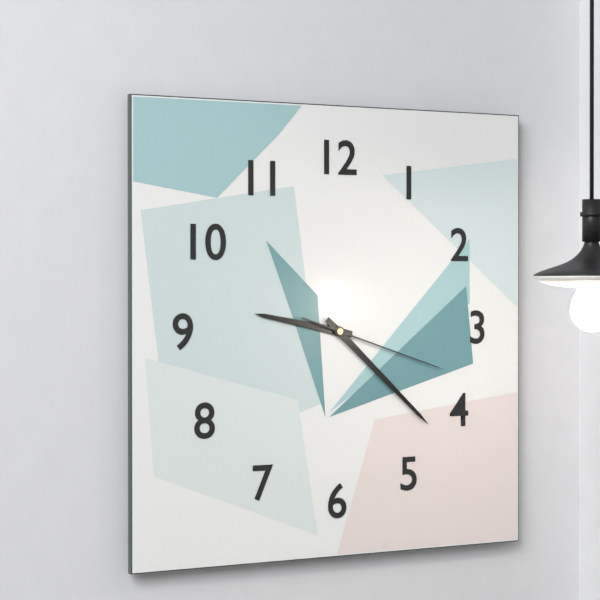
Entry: 9,22,18
